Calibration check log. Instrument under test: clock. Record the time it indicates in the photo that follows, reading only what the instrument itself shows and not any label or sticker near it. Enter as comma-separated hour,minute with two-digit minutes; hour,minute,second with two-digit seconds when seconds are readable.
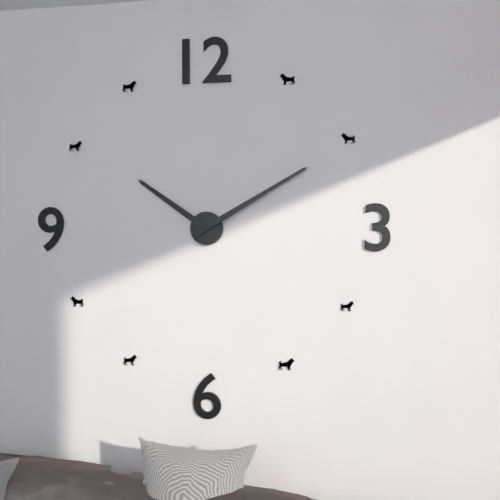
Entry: 10,10
